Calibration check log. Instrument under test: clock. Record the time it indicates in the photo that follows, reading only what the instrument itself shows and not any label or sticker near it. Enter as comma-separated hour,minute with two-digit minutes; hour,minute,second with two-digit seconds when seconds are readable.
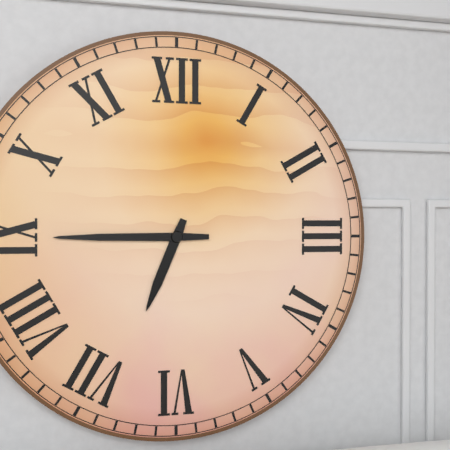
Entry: 6,45
